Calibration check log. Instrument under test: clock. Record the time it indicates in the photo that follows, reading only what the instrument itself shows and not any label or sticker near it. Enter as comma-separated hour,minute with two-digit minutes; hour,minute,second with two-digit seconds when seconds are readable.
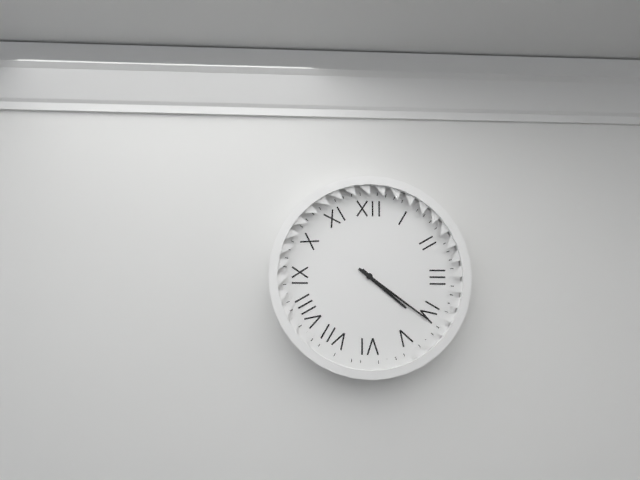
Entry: 4,21
